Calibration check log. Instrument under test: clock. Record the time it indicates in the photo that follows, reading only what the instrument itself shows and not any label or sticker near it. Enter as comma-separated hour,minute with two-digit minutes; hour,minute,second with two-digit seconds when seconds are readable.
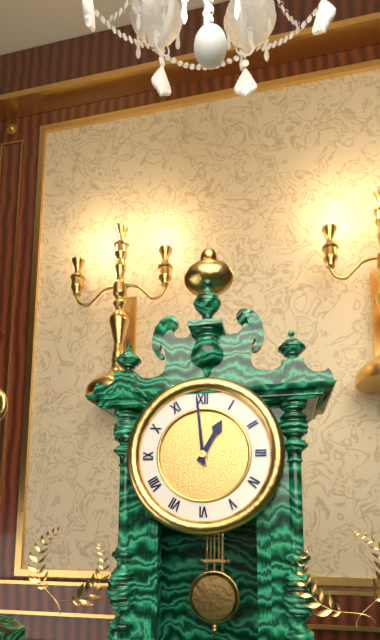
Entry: 12,59
